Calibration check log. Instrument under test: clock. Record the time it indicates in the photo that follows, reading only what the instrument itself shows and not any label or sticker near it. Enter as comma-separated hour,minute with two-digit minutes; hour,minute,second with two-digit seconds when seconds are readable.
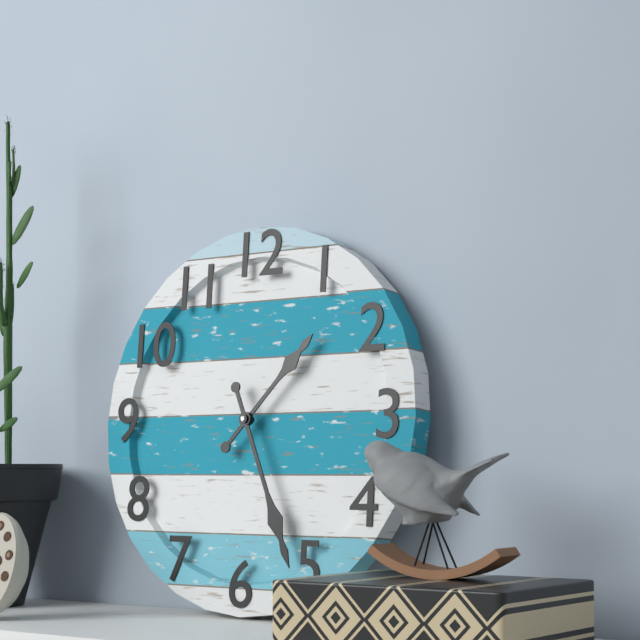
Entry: 1,26
